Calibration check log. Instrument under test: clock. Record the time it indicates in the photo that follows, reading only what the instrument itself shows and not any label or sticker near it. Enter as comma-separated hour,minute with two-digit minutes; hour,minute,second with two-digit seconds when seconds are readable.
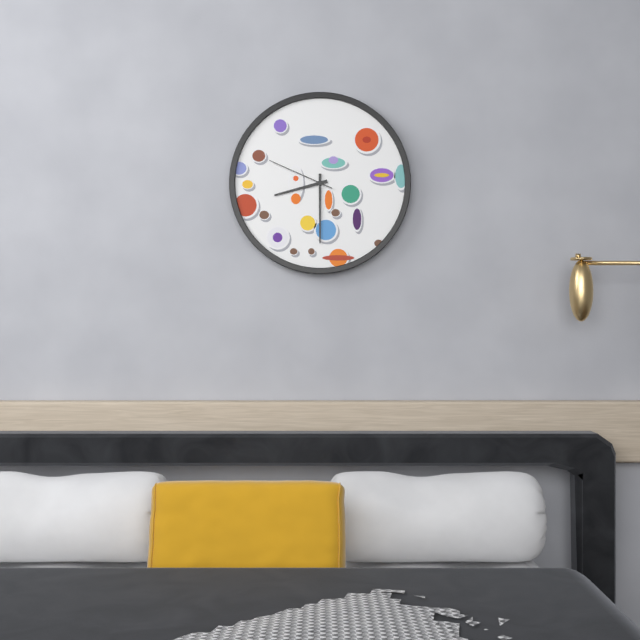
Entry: 8,30,49
